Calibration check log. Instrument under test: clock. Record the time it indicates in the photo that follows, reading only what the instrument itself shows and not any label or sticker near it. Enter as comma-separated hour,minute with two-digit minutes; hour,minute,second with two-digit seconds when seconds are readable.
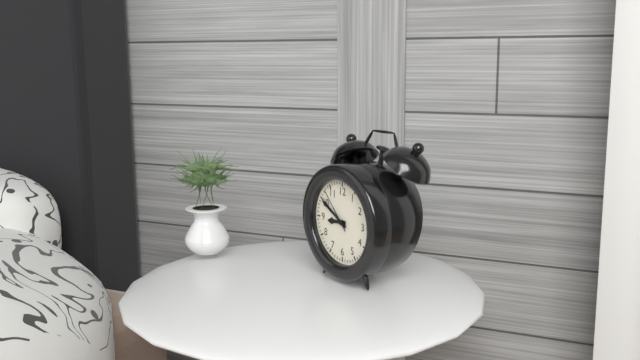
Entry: 8,50
